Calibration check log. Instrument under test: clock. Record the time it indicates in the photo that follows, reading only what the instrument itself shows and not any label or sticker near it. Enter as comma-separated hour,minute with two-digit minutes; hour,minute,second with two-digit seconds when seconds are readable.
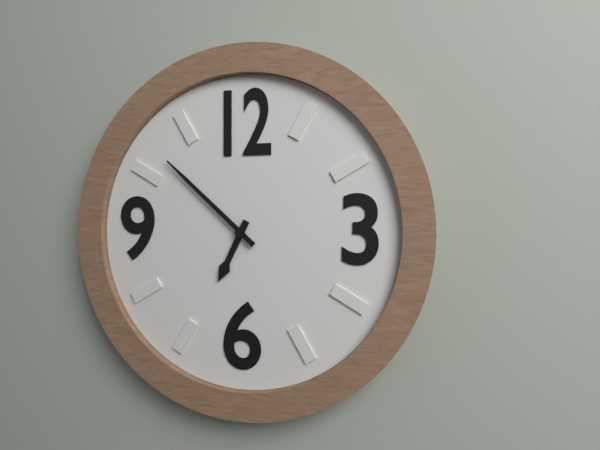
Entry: 6,52
